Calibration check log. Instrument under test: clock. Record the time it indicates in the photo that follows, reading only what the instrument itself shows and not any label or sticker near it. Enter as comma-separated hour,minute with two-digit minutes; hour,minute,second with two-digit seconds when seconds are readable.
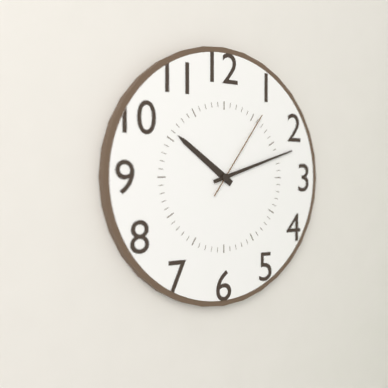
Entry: 10,12,06
